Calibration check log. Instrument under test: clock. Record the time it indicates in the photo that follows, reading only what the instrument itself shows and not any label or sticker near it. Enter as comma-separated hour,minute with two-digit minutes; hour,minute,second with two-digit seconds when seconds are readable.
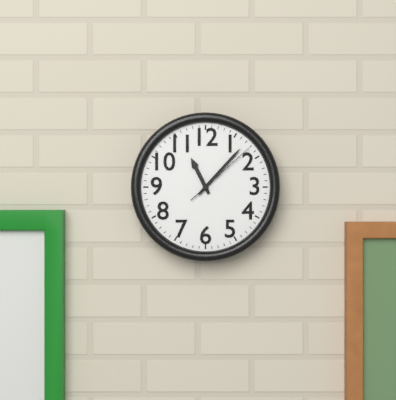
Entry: 11,07,08
